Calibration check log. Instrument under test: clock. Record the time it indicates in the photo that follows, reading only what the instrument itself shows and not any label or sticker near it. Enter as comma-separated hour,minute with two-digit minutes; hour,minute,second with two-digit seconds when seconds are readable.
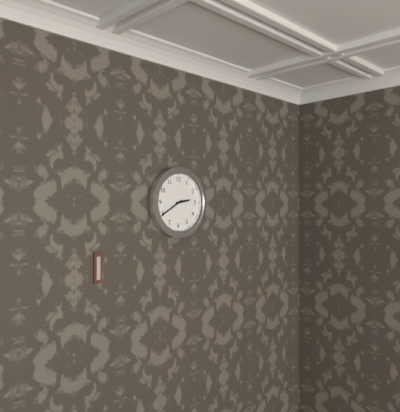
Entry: 2,40
